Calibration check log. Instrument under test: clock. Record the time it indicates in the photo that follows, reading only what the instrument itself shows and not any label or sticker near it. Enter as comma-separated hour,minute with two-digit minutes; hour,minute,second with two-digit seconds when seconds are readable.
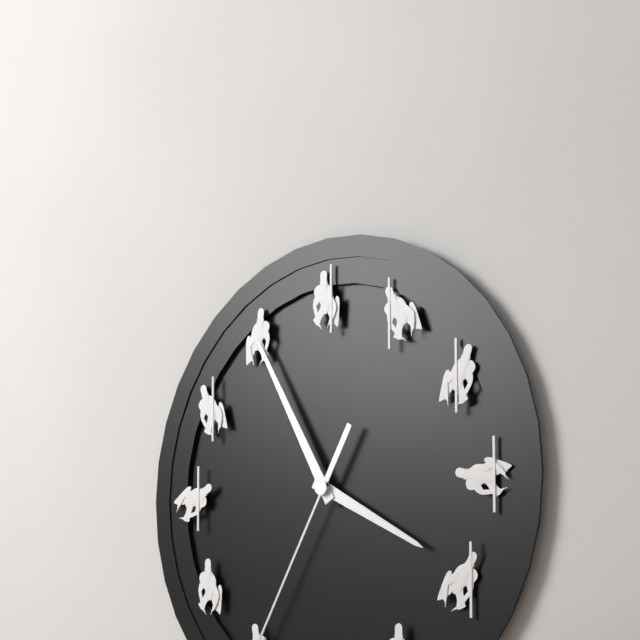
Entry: 3,55
